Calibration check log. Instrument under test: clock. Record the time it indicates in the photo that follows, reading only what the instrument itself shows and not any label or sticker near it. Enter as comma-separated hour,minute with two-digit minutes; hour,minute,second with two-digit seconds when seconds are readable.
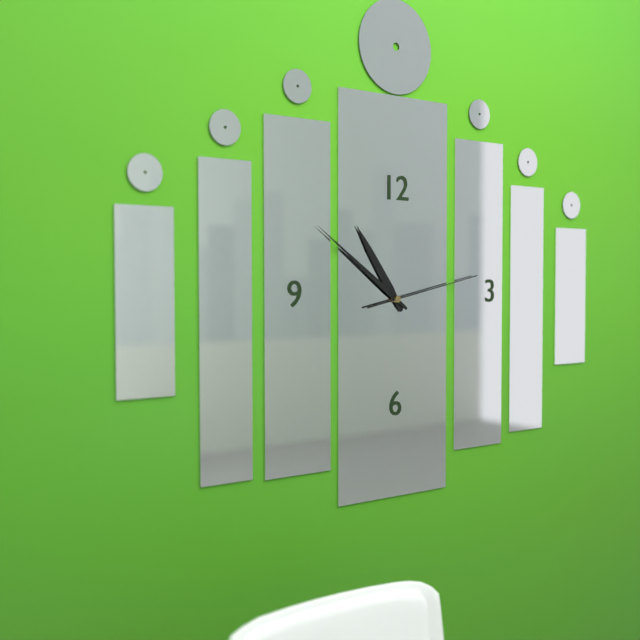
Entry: 10,51,13
